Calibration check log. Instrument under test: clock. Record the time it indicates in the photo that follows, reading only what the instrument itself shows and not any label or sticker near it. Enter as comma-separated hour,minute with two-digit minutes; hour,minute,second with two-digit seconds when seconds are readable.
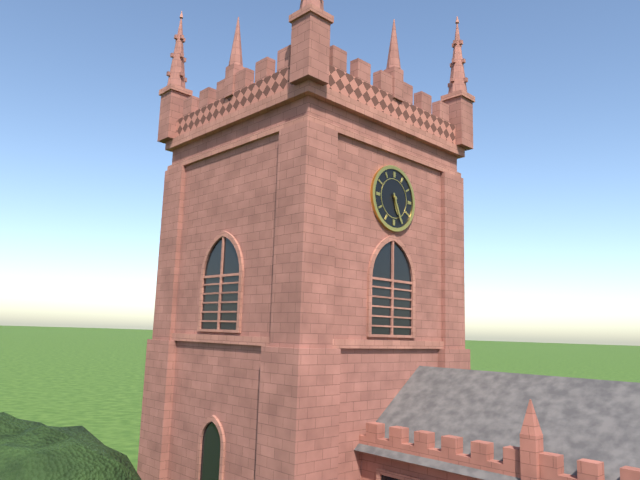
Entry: 5,26
